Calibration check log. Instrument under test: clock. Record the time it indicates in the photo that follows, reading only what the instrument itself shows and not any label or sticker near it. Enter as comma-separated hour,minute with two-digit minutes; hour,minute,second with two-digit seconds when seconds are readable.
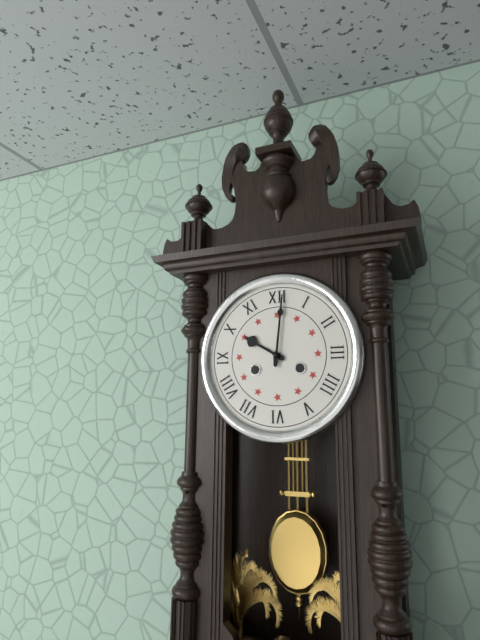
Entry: 10,01
